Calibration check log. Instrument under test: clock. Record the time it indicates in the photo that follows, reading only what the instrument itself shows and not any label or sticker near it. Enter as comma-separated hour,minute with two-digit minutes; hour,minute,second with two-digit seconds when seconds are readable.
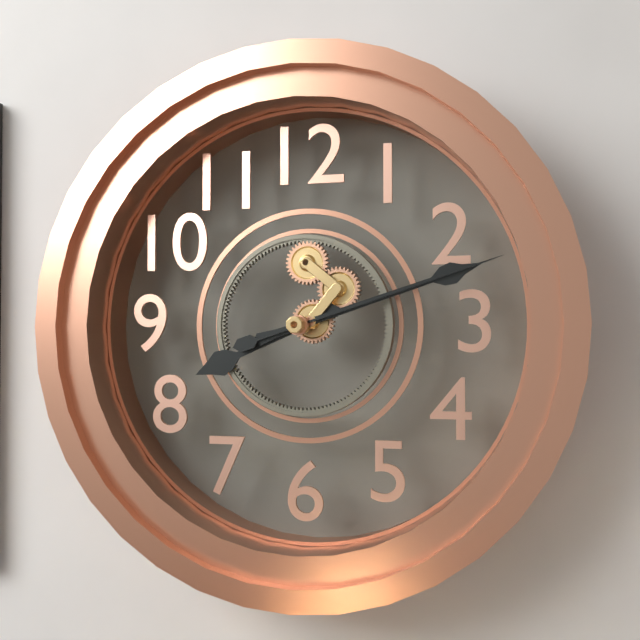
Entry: 8,12,12
